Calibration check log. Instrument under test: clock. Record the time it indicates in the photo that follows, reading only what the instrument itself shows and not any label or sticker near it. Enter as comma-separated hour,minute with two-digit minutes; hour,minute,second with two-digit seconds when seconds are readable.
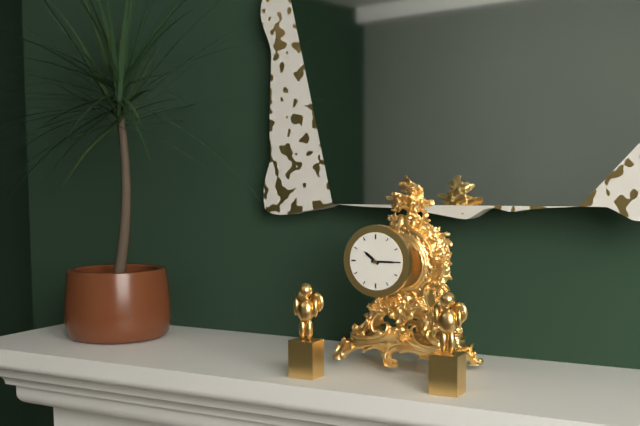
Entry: 10,15
